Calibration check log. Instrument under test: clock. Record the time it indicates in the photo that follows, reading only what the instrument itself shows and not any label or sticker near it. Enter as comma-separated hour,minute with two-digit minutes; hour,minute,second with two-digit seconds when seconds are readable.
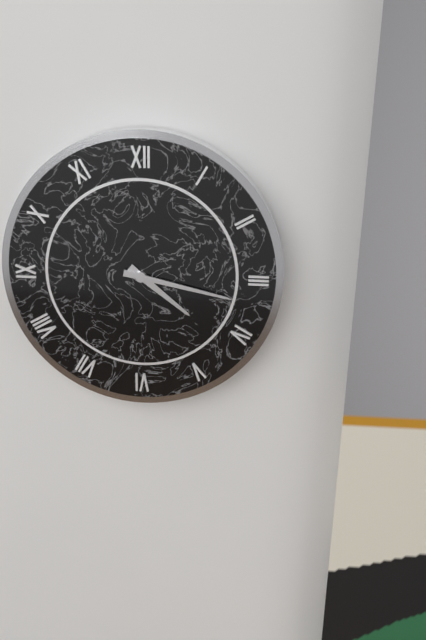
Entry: 4,17
